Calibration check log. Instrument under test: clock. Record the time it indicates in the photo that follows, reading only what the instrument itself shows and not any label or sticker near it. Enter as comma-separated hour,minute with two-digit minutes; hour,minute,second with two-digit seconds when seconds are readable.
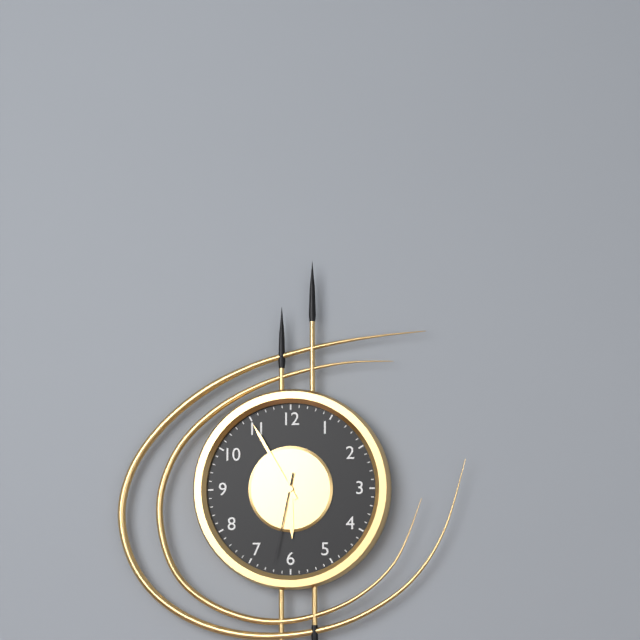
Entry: 5,55,32
